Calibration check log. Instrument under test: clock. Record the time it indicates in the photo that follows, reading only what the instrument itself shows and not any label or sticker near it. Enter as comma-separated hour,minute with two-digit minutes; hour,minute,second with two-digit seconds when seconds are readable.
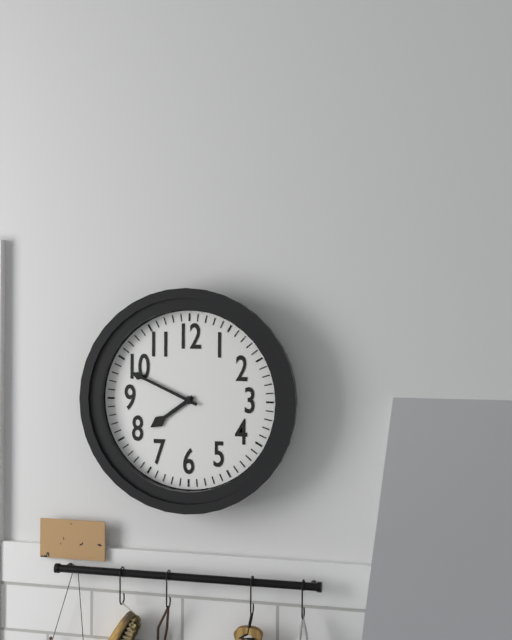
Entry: 7,49
